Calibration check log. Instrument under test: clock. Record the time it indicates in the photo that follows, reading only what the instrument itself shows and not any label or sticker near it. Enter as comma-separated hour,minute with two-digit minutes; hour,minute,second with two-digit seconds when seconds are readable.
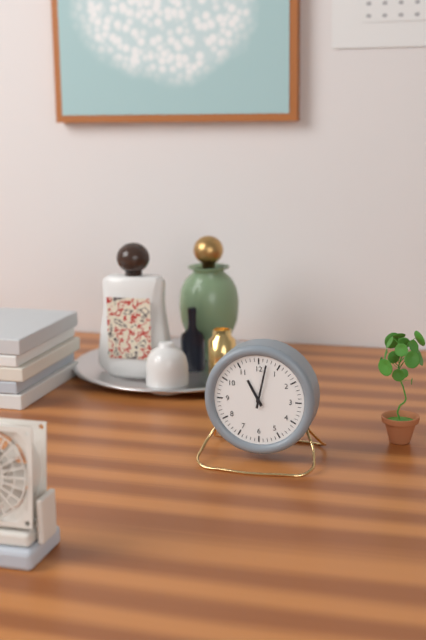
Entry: 11,02
